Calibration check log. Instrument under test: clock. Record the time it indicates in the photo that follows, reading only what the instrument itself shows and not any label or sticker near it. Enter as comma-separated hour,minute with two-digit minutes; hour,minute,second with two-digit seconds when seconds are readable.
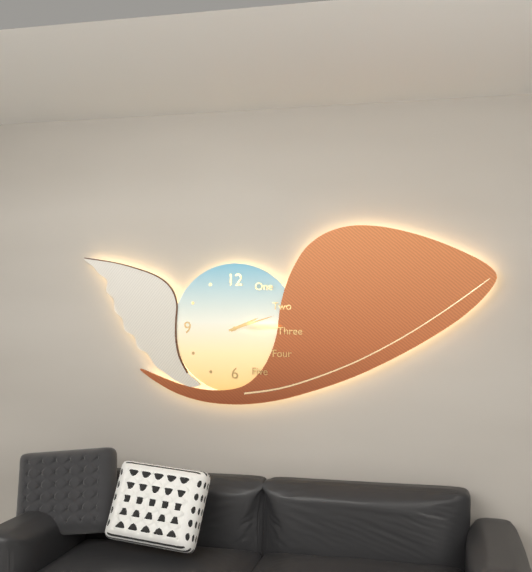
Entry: 2,12
